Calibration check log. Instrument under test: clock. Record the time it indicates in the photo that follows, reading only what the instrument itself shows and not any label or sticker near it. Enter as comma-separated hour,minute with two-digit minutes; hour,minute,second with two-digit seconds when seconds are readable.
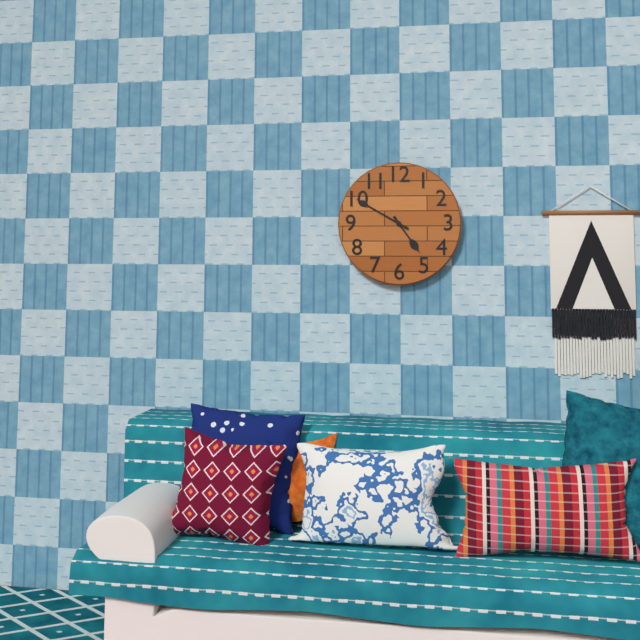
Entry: 4,50
